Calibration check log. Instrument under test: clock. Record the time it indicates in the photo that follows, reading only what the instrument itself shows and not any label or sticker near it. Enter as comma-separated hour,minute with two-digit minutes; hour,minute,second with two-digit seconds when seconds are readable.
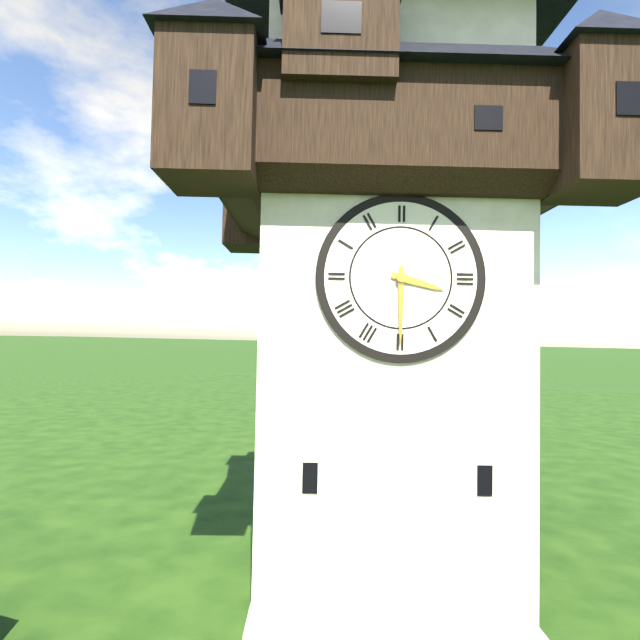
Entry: 3,30
